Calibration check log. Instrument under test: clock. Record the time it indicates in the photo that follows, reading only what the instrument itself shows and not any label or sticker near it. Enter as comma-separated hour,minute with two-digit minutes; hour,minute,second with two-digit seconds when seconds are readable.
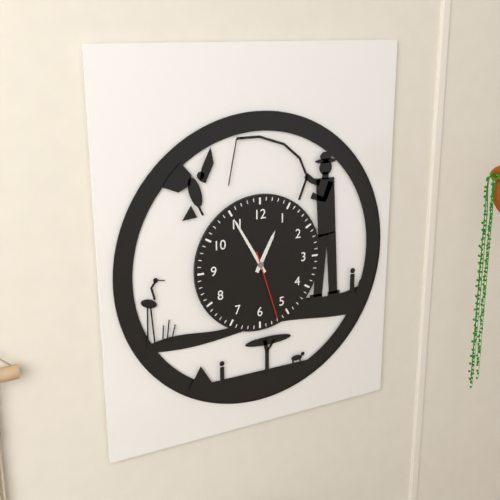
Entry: 12,55,27
